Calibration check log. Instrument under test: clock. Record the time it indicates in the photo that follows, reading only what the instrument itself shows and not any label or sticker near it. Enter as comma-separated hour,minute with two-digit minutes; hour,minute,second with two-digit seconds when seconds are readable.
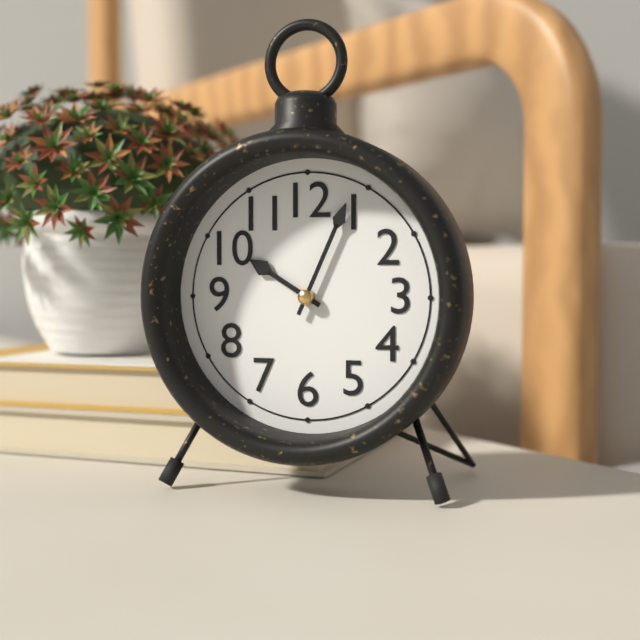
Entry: 10,04
